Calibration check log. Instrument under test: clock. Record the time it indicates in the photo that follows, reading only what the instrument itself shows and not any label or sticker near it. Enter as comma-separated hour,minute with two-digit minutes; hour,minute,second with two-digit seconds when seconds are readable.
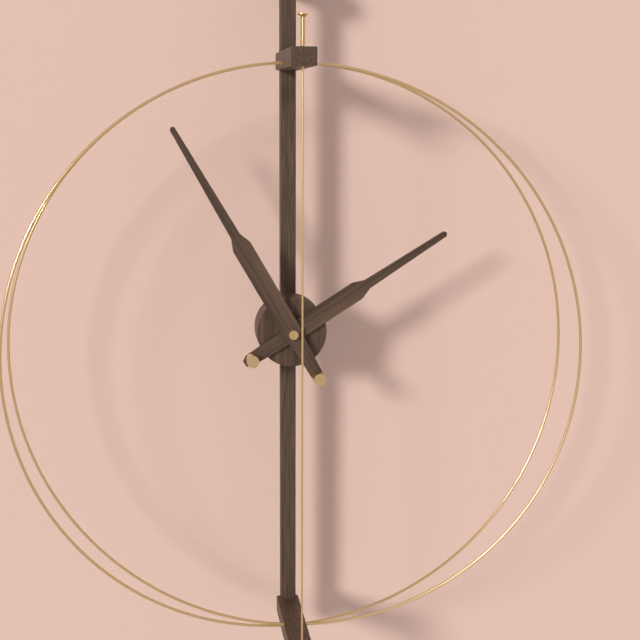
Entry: 1,55
